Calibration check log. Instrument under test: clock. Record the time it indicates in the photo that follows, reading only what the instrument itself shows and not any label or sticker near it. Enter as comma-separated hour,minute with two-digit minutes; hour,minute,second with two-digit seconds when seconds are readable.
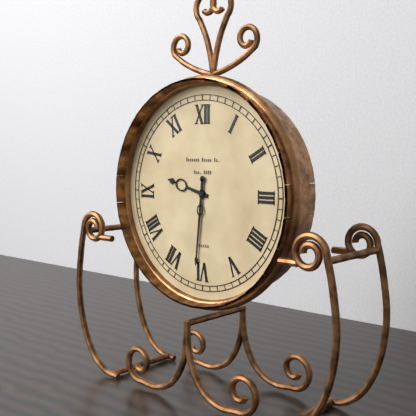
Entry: 9,31
